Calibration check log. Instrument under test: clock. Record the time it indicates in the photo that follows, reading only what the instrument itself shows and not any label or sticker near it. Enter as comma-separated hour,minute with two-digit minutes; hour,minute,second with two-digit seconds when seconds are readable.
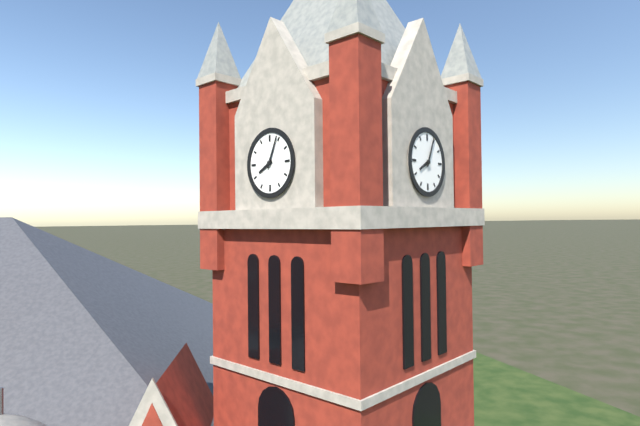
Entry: 8,04
